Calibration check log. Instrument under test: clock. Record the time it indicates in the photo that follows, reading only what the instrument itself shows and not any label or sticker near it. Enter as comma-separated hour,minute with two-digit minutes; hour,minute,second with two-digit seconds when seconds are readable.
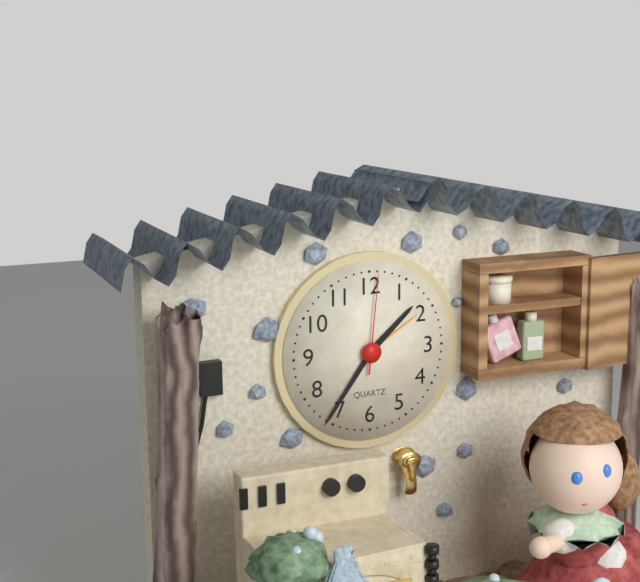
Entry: 1,36,01
